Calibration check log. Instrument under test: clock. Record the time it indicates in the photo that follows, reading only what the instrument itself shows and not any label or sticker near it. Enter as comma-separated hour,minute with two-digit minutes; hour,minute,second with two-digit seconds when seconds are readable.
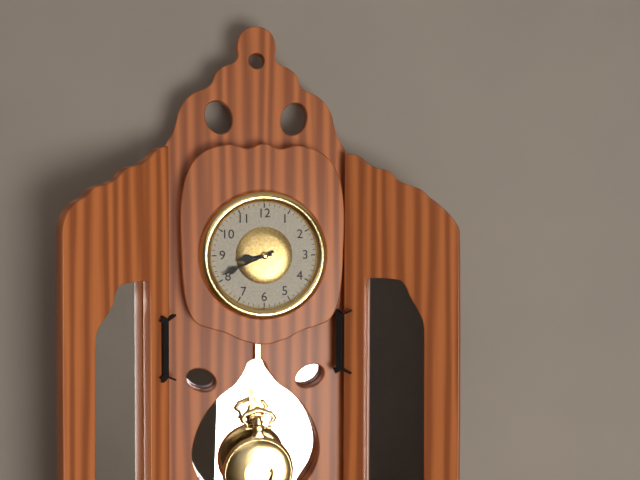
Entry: 8,41
